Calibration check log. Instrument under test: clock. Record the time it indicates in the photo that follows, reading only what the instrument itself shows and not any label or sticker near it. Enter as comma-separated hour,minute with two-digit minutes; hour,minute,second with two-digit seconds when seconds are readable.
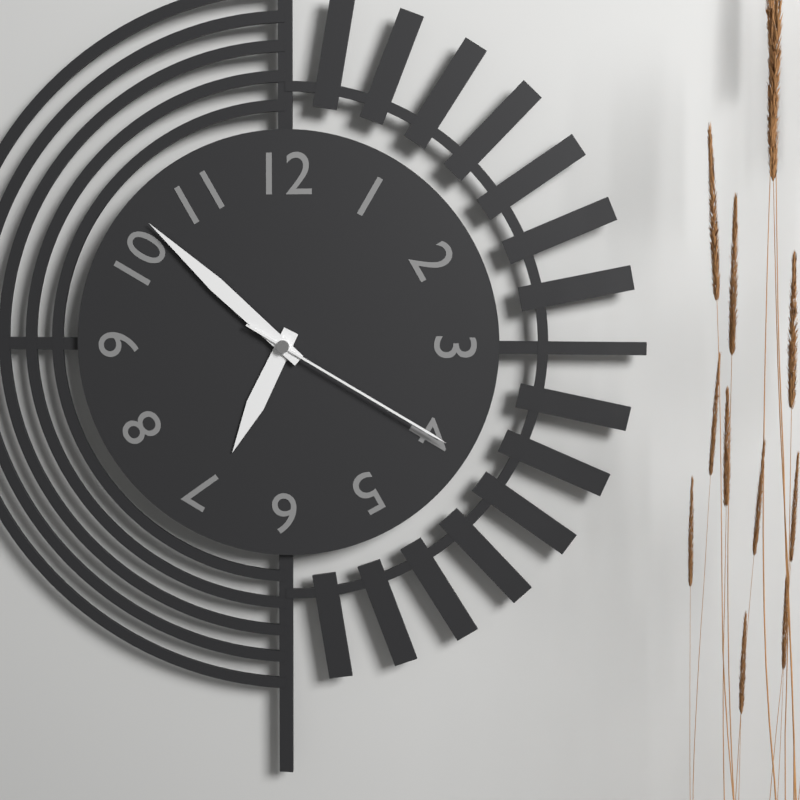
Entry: 6,52,20
